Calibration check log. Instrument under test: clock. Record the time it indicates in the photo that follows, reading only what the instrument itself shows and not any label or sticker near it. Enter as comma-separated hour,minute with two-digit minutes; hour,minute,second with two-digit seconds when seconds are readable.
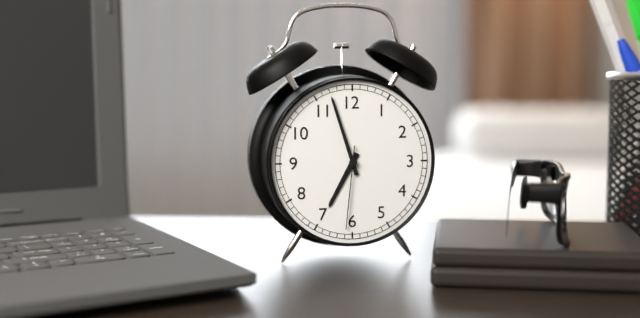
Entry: 6,57,31
